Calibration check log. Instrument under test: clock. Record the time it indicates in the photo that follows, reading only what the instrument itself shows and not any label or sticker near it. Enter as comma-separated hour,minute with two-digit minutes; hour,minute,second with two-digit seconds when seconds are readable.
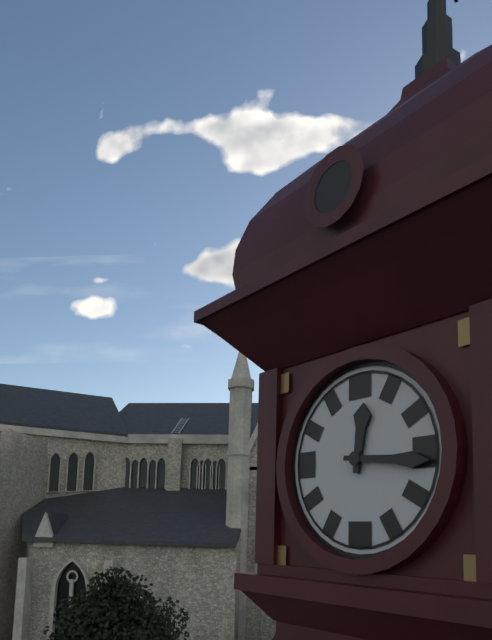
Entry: 12,16
